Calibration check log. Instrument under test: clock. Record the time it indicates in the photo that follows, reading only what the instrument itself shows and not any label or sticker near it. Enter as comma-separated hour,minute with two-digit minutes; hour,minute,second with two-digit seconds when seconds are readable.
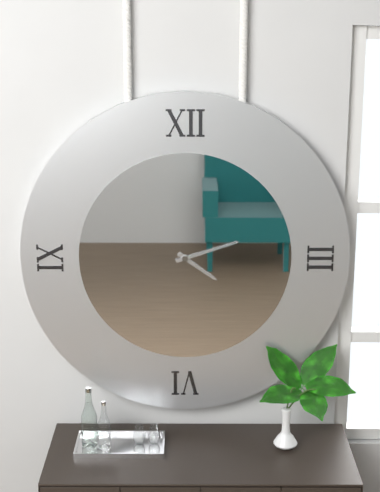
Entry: 4,12
